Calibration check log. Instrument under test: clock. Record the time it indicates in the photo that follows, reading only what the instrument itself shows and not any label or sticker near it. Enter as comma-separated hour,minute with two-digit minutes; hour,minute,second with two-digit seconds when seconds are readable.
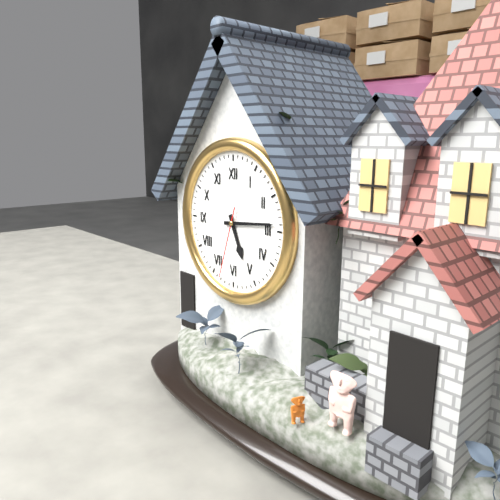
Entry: 5,14,33
